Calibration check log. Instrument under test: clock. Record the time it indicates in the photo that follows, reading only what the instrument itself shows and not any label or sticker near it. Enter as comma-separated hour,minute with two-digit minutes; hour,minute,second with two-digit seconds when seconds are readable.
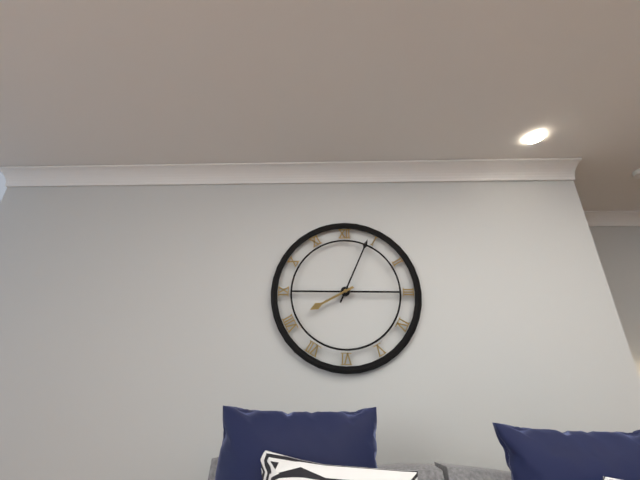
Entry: 8,04
